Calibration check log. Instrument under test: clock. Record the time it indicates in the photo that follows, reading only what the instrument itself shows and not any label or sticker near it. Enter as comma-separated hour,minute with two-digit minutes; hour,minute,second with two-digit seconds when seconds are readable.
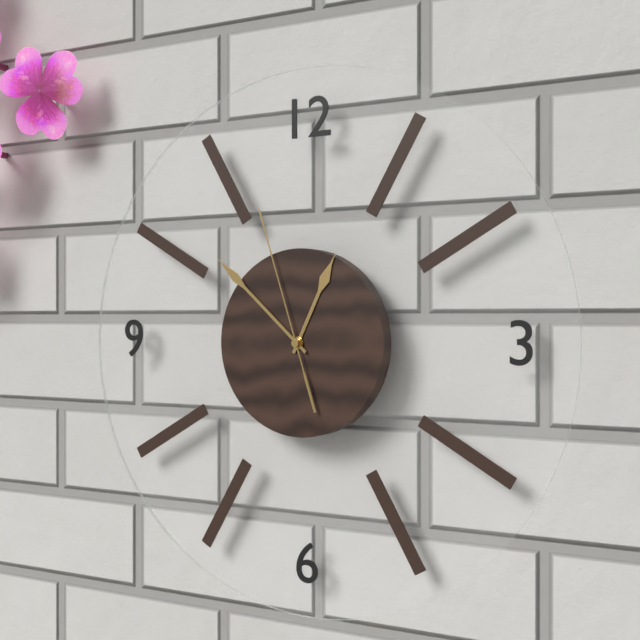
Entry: 12,52,57
